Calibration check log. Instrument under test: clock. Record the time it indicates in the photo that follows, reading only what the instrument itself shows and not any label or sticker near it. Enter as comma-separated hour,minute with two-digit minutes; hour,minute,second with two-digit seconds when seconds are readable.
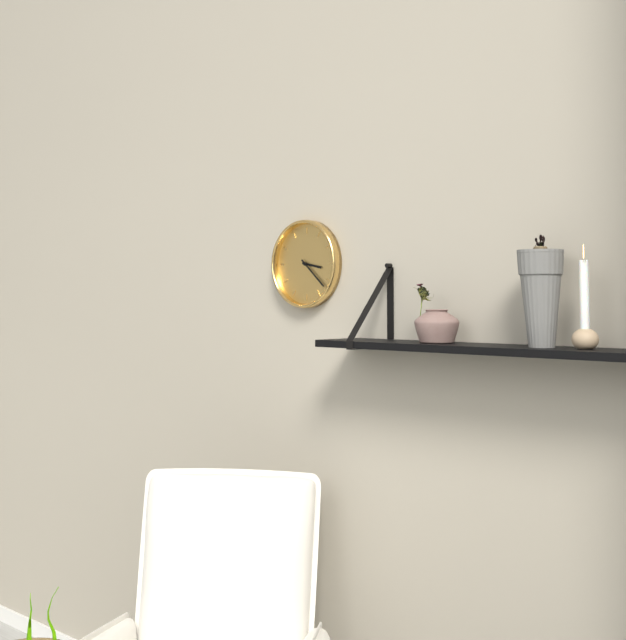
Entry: 3,22
